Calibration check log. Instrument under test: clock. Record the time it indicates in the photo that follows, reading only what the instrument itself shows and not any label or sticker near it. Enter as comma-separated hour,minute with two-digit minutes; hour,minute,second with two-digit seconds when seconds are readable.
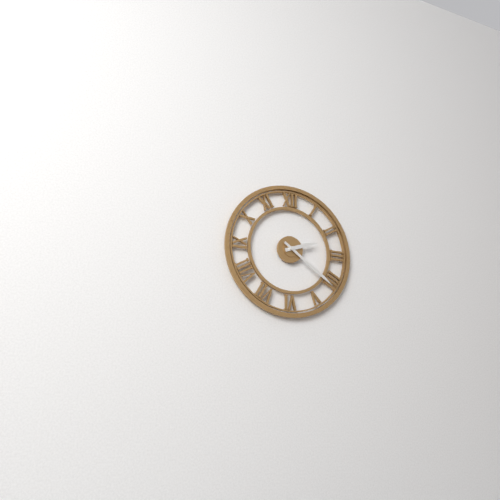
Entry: 2,21
